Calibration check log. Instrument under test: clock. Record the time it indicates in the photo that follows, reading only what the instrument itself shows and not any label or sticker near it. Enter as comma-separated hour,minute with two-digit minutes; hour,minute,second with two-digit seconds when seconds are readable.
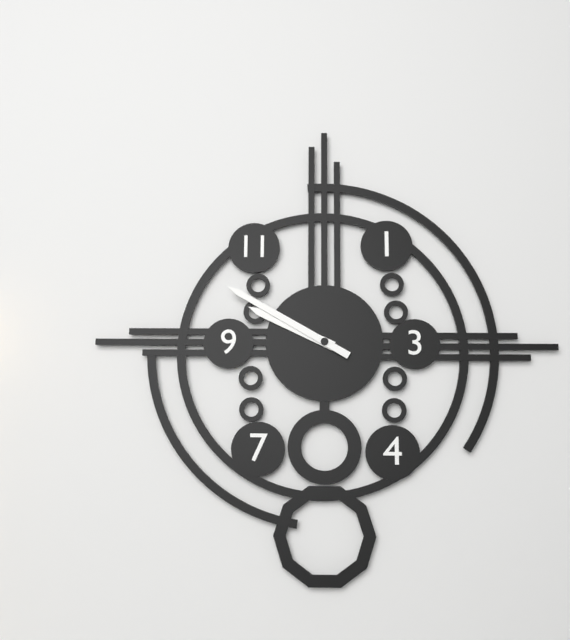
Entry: 9,50
